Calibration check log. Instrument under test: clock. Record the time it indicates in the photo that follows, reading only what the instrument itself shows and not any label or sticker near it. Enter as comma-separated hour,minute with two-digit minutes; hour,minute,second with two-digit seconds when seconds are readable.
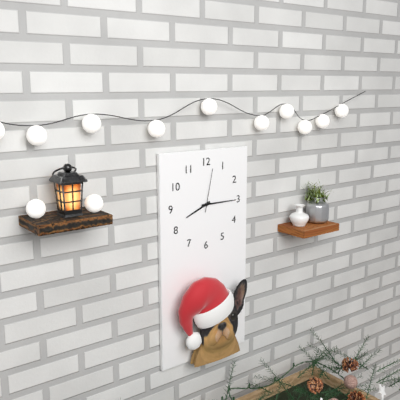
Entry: 8,15
